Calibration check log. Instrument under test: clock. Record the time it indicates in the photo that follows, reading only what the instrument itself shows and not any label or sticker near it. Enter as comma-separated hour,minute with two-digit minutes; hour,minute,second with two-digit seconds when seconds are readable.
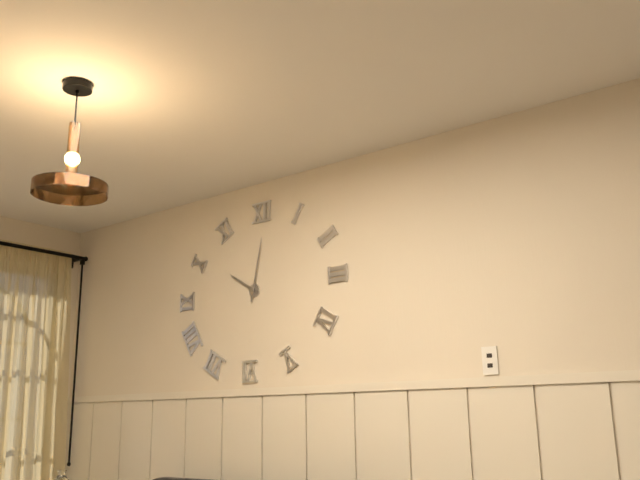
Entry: 10,02
